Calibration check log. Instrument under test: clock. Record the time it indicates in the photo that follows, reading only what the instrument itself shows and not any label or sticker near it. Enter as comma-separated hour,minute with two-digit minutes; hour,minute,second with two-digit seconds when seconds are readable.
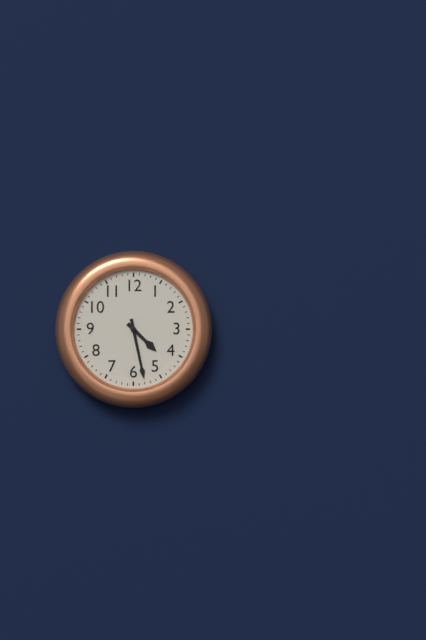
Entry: 4,28
